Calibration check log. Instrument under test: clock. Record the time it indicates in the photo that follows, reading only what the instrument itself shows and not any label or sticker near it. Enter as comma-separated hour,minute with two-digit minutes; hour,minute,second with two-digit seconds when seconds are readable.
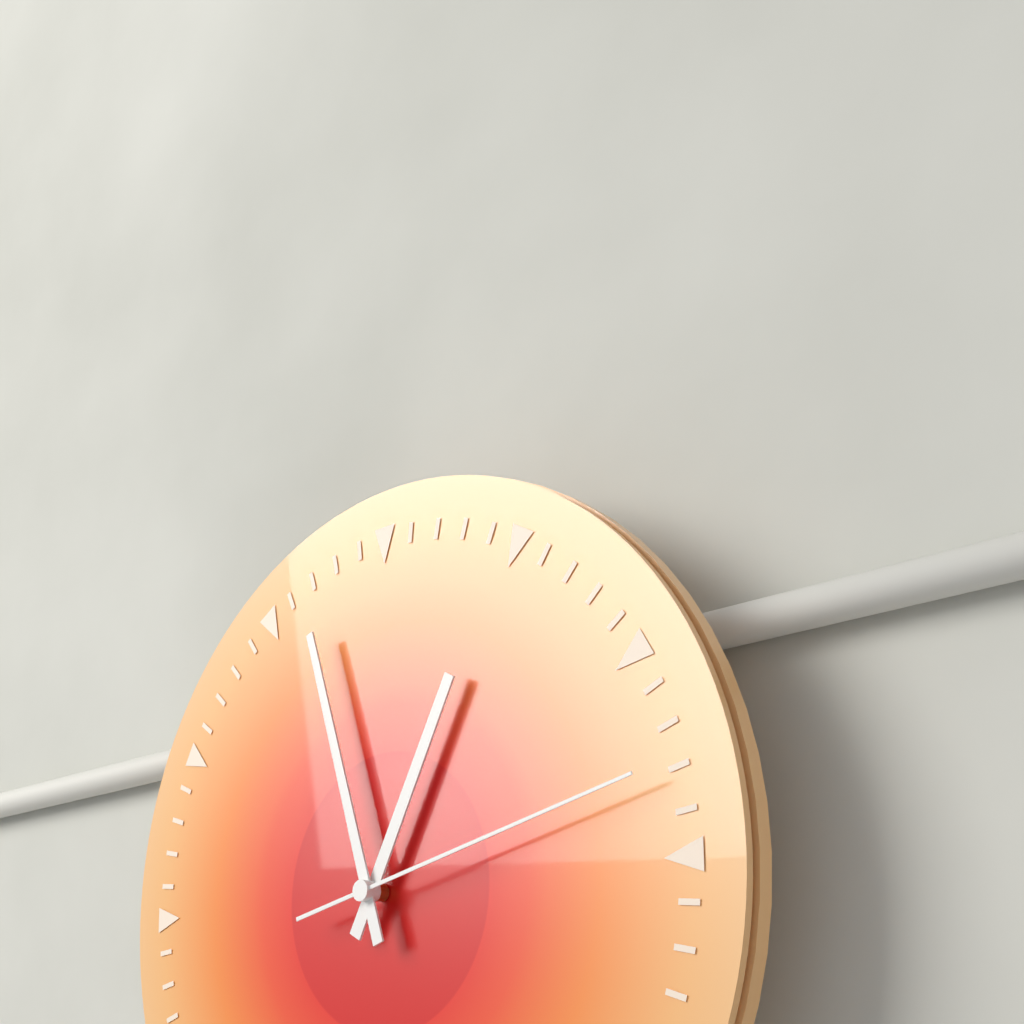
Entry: 12,57,13
